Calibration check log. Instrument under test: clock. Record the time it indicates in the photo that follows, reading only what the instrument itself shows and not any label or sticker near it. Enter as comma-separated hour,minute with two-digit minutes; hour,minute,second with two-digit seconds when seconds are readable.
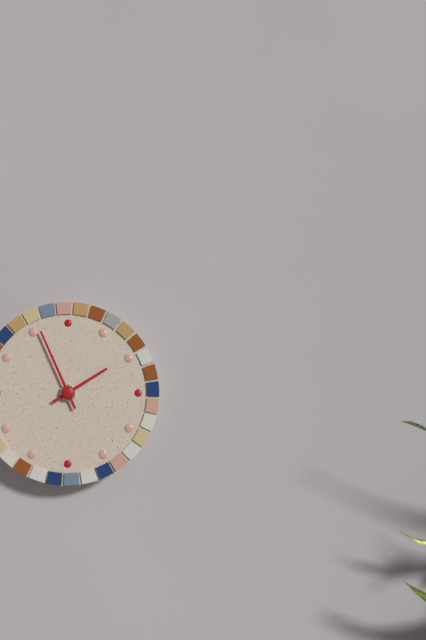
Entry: 1,56
